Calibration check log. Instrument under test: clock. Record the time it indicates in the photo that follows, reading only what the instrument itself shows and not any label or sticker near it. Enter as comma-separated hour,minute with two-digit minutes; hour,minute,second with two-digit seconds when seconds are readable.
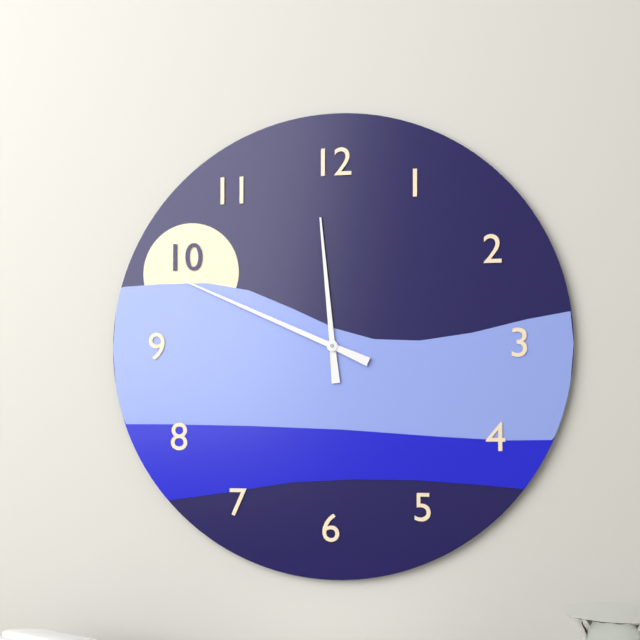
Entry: 11,49
